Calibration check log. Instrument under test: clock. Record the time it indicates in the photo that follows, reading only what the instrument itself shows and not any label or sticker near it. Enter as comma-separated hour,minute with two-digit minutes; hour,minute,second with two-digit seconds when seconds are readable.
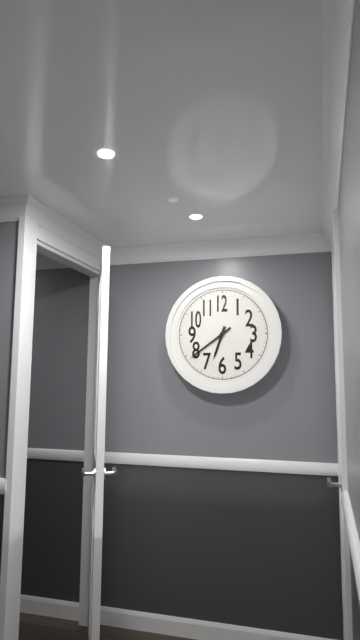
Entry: 6,39
